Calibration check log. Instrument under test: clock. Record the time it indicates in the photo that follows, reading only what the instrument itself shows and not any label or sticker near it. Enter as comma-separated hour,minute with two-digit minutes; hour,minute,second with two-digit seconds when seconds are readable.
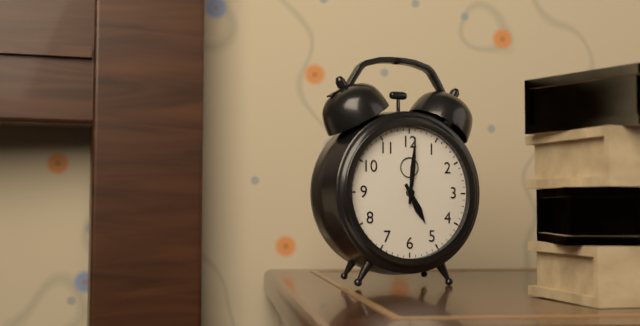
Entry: 5,01
